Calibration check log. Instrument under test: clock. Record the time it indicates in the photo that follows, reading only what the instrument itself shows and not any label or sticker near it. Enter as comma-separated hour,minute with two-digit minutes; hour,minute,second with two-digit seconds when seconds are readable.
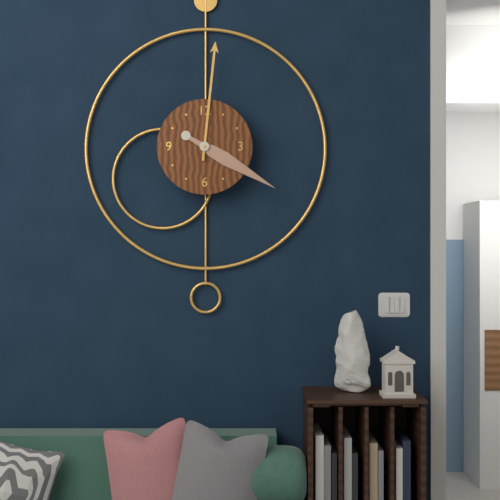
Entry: 4,01
